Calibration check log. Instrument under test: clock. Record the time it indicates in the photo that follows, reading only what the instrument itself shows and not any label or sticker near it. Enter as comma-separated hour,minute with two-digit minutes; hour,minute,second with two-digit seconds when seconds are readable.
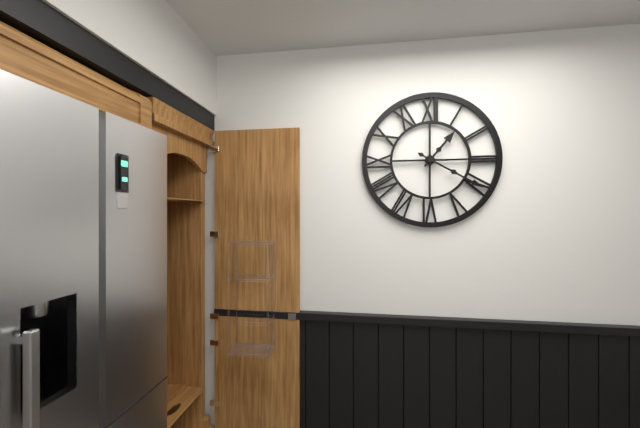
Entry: 1,20
